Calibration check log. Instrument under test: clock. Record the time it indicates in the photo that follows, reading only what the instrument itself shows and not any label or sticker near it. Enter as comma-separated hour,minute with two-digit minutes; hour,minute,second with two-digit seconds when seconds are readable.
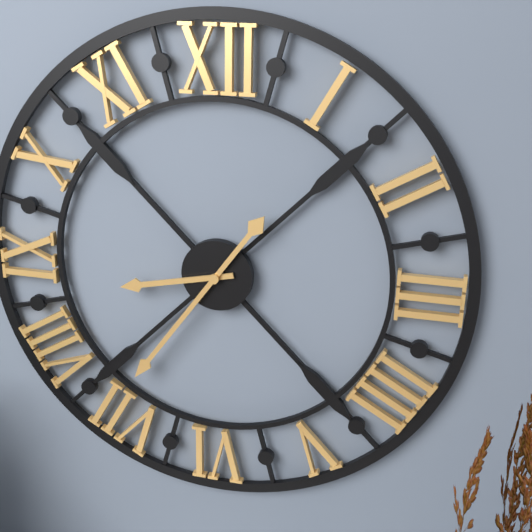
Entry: 8,36
